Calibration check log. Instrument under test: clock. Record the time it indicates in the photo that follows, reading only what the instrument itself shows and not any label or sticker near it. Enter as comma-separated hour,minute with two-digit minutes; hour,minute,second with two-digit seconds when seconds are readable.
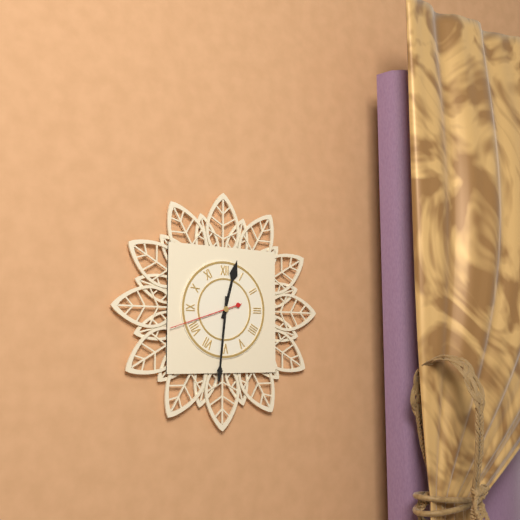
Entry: 12,31,42
